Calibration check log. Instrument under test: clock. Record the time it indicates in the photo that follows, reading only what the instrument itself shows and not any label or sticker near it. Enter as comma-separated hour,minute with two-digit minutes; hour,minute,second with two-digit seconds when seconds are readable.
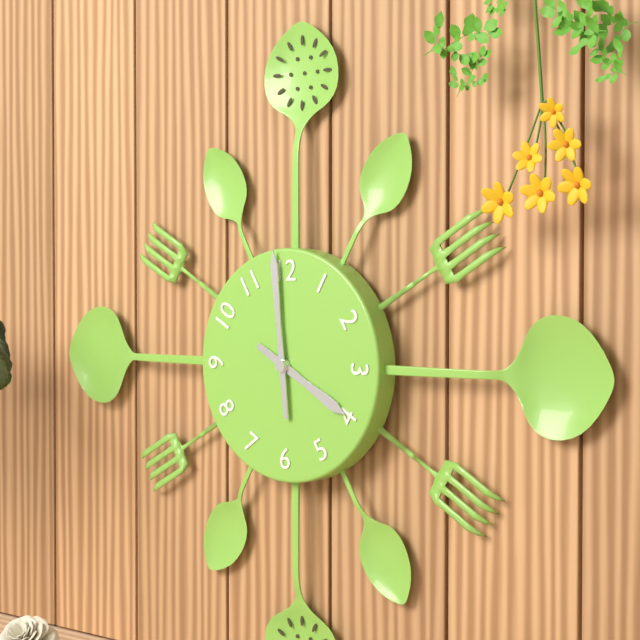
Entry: 3,59
